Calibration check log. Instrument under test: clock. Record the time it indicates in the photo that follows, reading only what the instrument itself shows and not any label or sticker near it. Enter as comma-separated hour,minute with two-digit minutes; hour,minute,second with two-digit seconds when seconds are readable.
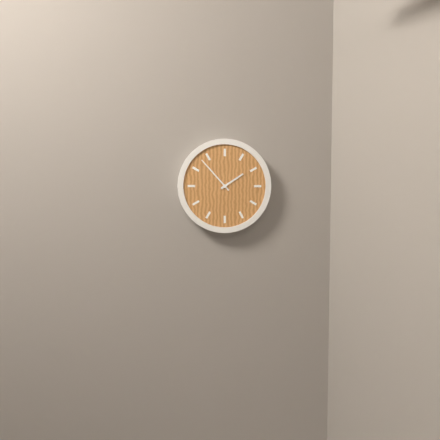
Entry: 1,53
